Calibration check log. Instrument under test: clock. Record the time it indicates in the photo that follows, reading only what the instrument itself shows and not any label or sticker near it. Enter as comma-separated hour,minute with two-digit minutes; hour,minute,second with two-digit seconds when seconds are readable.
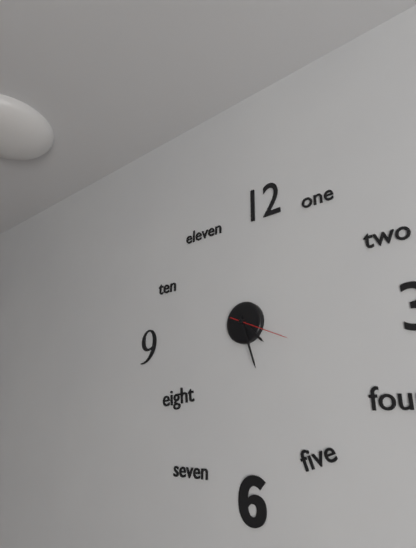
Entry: 4,27,19
